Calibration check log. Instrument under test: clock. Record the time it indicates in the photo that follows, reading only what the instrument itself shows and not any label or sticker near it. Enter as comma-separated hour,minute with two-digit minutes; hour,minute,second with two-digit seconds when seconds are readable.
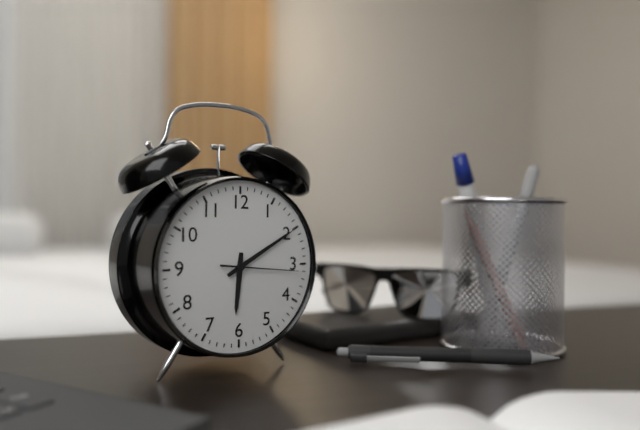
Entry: 6,10,16
